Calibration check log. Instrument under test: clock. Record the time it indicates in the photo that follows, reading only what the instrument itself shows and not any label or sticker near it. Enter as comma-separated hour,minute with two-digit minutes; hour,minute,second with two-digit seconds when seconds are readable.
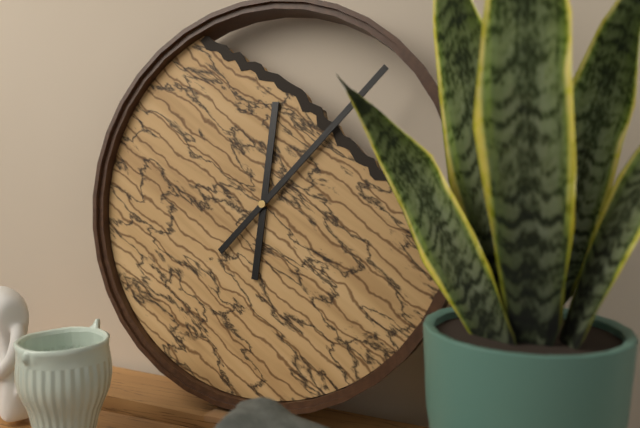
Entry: 12,07
